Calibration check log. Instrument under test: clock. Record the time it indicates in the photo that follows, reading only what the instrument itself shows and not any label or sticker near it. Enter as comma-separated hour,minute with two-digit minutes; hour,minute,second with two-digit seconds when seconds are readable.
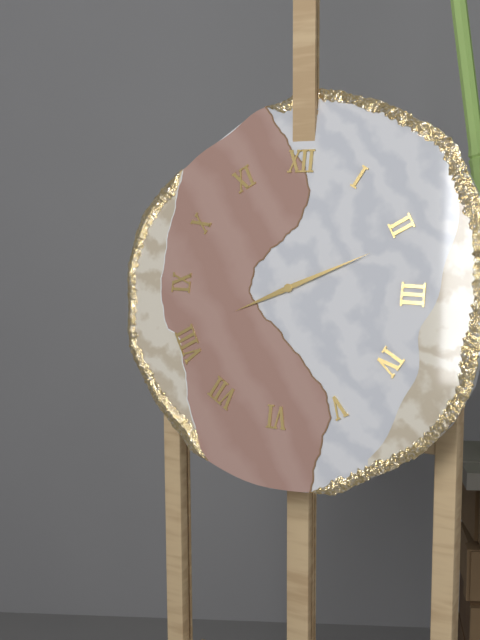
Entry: 8,11
